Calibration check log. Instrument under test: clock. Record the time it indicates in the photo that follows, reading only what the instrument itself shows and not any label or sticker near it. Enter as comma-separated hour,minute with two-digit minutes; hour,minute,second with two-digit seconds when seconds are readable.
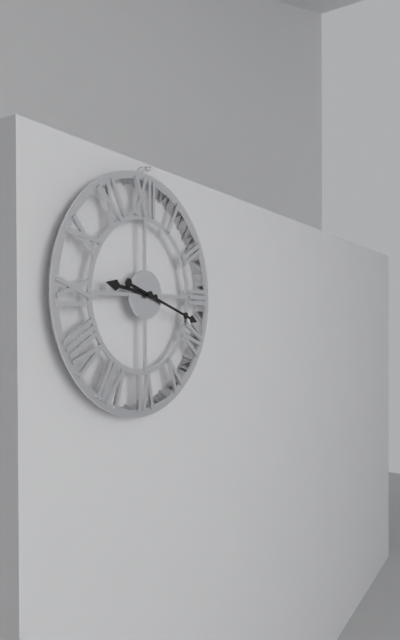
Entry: 9,18
